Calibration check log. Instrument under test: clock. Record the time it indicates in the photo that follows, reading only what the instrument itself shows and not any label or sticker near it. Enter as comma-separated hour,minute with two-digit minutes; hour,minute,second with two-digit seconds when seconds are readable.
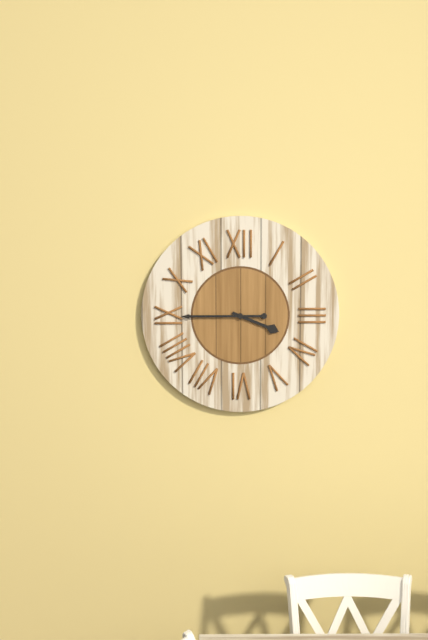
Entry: 3,45
